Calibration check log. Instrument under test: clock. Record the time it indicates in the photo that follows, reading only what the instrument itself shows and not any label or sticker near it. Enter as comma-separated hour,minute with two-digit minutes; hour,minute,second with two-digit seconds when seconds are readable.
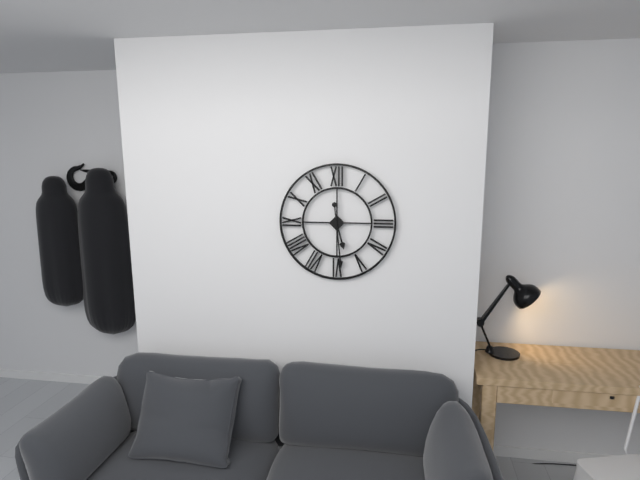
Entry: 5,29
